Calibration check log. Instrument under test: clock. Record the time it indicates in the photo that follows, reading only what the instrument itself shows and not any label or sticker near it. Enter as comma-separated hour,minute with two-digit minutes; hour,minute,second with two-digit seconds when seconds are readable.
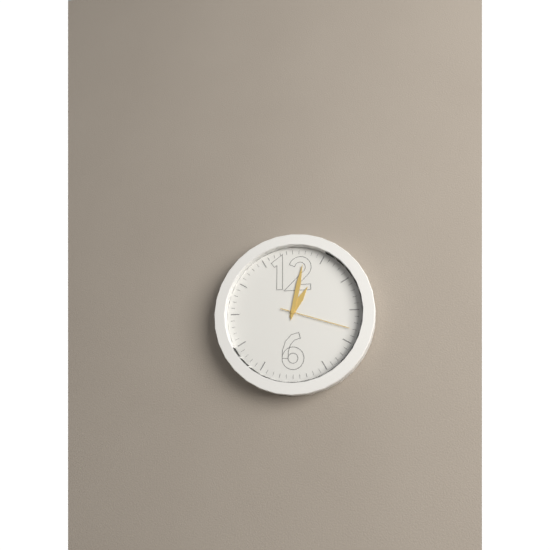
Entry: 1,02,18
